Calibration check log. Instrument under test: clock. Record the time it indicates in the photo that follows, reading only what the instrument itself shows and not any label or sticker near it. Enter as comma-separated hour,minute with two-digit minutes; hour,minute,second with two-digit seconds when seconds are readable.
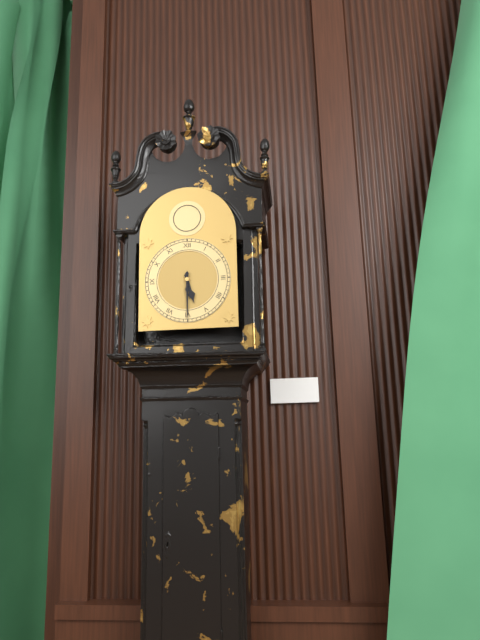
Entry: 5,30
